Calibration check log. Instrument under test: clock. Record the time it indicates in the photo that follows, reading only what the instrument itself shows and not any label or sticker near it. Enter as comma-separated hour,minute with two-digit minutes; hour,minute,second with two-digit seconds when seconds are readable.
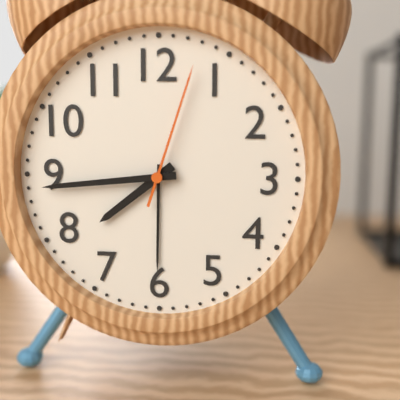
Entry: 7,44,03
